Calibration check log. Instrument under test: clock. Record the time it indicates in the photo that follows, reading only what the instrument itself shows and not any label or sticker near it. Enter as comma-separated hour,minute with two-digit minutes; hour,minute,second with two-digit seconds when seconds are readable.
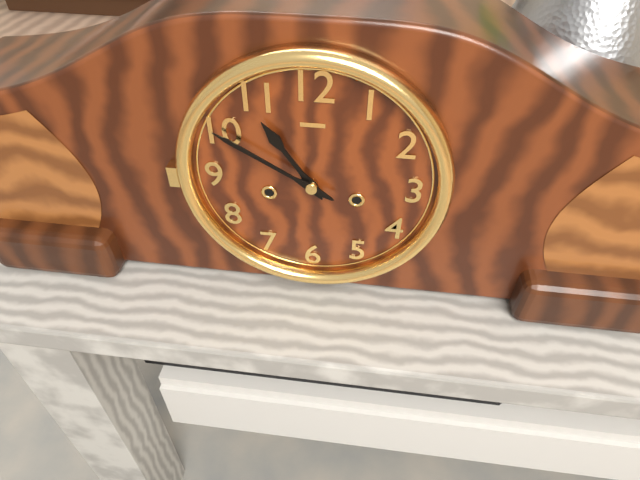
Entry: 10,50
